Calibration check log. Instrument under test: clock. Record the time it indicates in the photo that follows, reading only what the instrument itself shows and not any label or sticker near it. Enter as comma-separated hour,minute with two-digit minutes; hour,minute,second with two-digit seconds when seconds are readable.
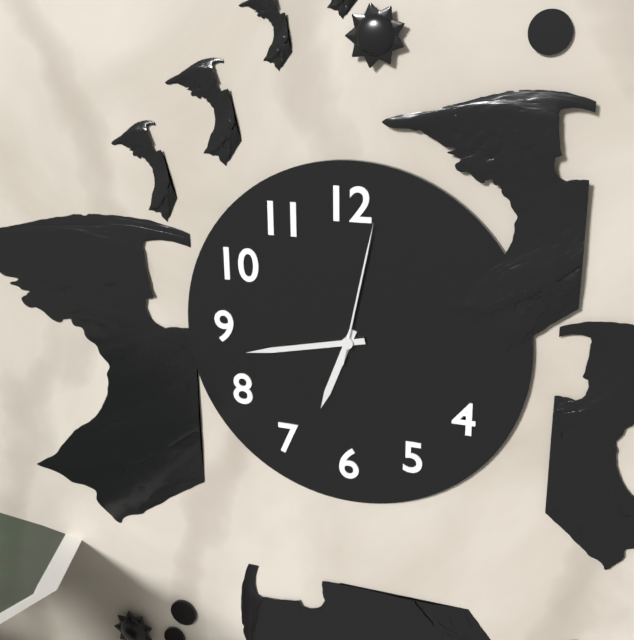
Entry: 6,43,02
